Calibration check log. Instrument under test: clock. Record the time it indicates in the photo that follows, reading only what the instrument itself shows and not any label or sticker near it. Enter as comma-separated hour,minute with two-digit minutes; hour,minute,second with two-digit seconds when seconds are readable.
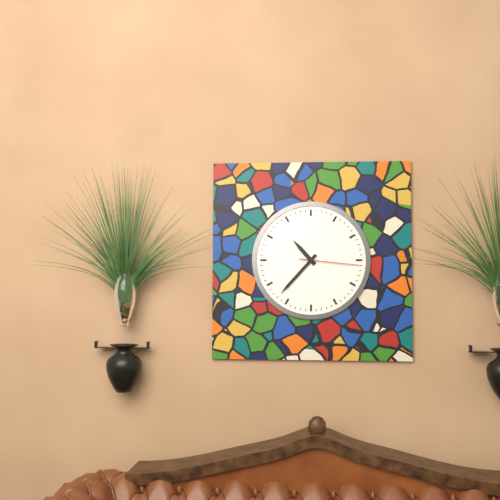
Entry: 10,37,16
